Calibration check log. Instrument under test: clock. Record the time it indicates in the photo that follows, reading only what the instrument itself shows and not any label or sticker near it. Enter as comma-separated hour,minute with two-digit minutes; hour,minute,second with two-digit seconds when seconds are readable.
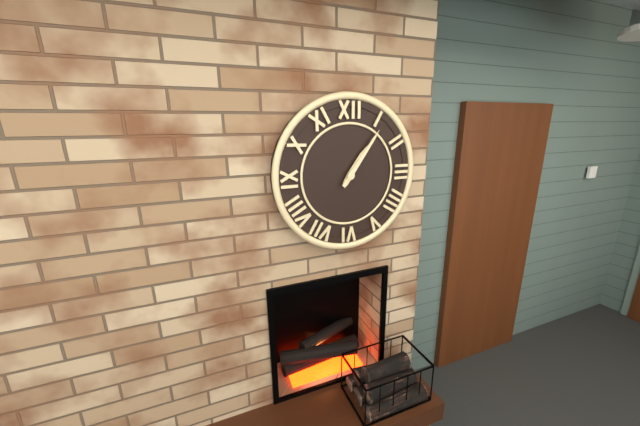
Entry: 1,06
